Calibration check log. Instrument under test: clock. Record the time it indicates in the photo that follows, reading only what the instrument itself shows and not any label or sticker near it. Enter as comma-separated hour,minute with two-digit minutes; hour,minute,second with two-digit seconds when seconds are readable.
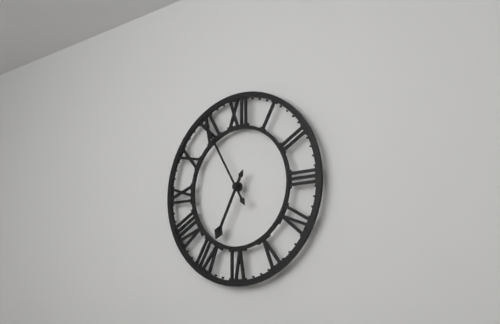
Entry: 6,55
